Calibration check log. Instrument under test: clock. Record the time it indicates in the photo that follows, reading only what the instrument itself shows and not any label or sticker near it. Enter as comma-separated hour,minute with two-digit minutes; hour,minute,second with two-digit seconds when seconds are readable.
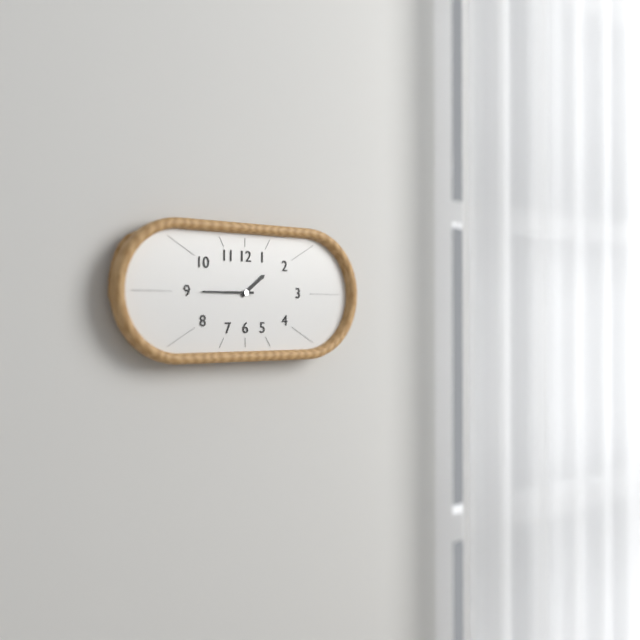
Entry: 1,45
